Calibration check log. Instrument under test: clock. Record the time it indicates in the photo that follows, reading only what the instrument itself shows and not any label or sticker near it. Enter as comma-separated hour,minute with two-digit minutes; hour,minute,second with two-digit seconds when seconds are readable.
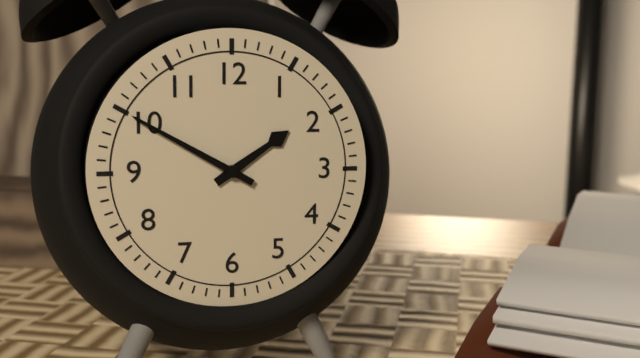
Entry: 1,50
